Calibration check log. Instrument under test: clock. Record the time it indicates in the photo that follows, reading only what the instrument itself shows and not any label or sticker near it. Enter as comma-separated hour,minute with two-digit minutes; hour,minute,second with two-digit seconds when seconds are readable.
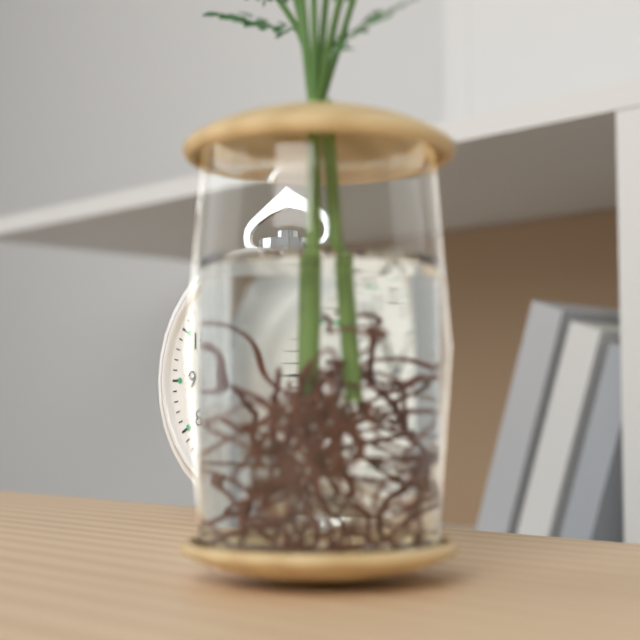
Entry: 10,07
